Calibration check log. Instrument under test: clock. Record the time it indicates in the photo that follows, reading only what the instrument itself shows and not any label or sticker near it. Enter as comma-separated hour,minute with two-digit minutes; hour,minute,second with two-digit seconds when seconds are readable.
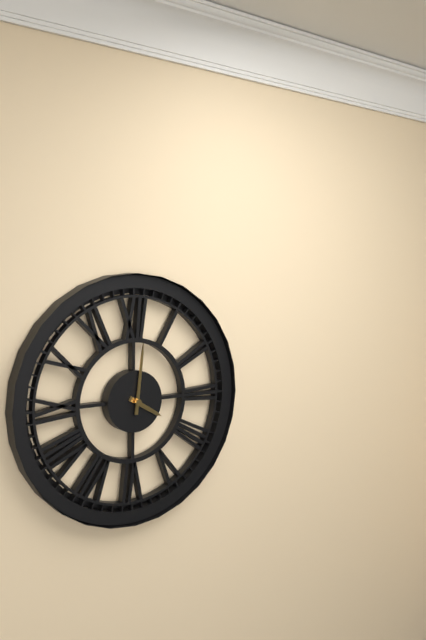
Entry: 4,01
